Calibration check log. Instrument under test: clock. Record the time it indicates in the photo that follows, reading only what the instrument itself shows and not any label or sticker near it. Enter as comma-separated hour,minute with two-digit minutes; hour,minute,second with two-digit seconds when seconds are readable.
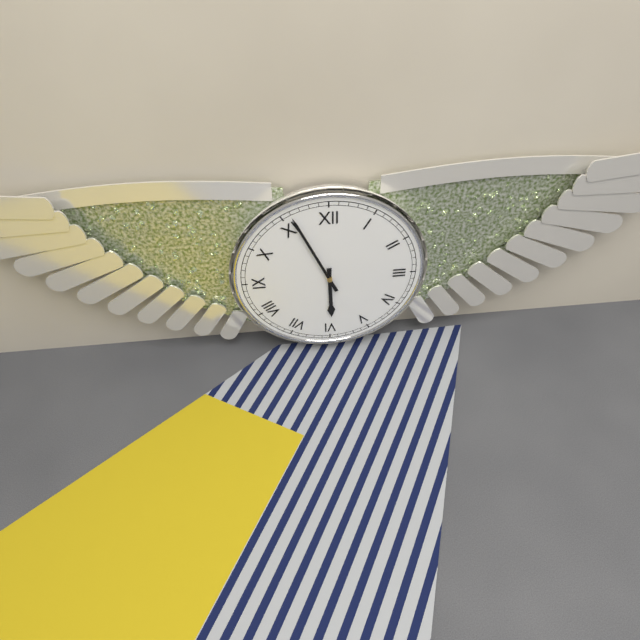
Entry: 5,56
